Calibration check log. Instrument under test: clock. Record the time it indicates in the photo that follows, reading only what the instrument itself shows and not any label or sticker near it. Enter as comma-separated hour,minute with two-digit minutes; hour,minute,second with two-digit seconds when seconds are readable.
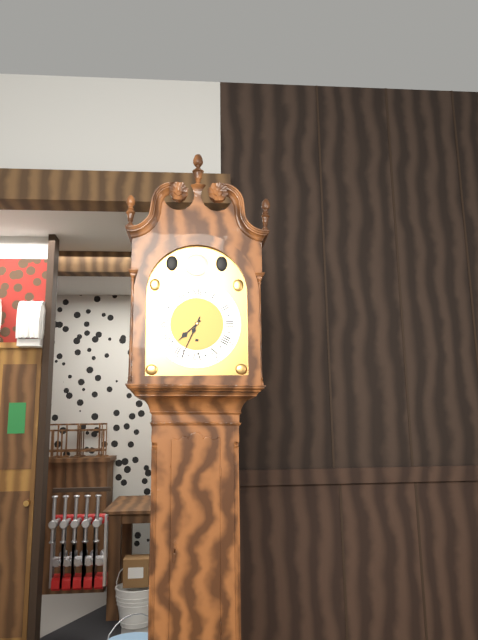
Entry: 7,34
